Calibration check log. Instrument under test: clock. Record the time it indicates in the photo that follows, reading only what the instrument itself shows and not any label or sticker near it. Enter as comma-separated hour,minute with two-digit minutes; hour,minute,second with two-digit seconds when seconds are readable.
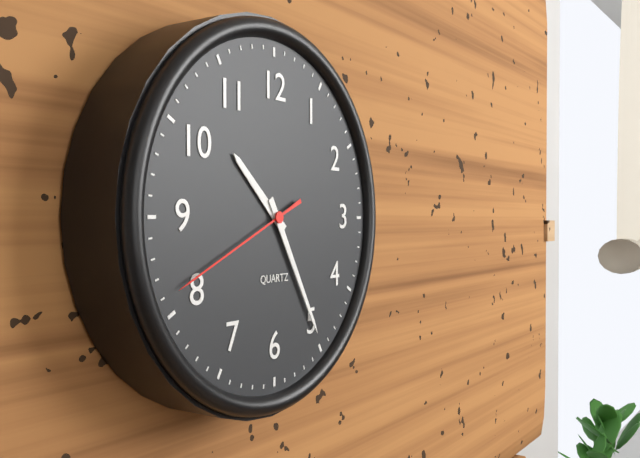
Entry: 10,25,41
